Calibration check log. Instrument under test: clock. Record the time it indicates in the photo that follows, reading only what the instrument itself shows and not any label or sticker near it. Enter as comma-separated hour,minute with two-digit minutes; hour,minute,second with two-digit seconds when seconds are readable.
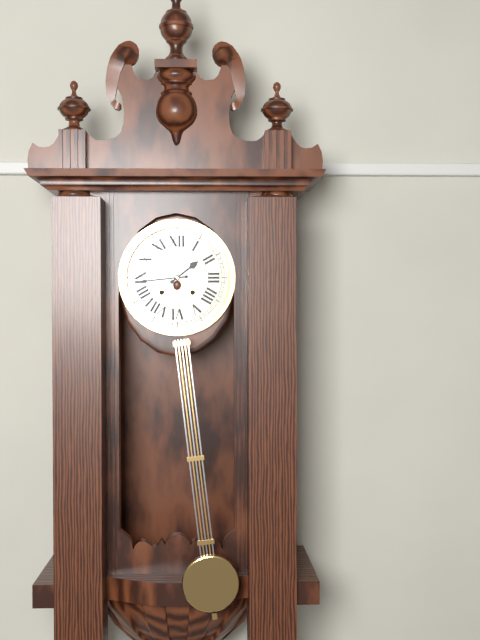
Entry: 1,44
